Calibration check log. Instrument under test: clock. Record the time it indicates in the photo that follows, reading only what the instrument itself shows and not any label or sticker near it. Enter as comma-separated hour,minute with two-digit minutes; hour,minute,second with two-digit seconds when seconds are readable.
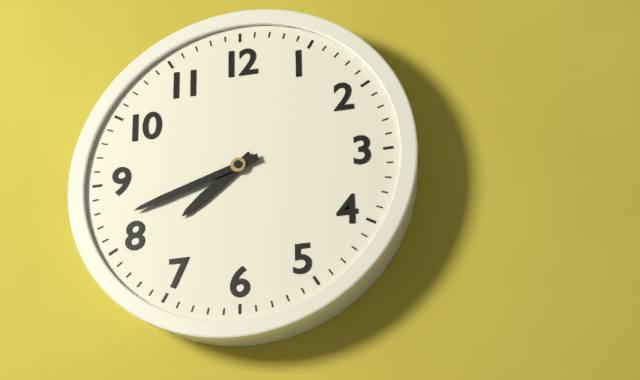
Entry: 7,42
